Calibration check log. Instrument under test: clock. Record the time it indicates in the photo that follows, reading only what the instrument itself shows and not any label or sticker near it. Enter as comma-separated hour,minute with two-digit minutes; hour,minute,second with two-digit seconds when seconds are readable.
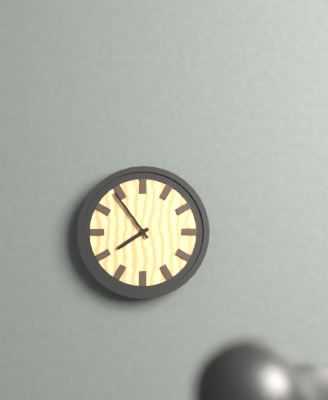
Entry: 7,54
